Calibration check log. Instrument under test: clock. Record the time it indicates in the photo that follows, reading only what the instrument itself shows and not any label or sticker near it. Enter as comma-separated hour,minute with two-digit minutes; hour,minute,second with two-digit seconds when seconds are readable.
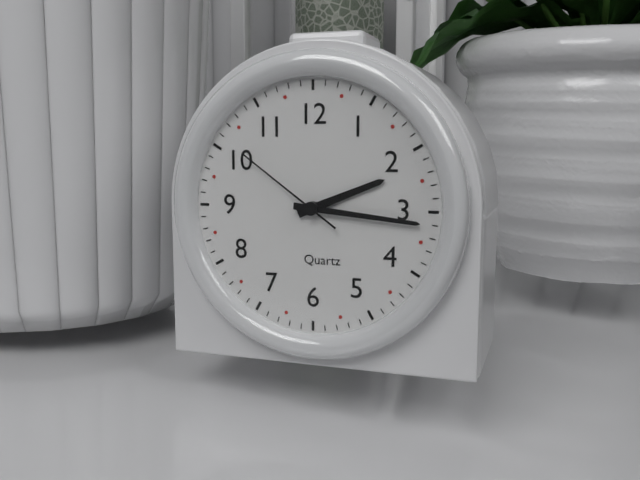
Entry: 2,16,51
